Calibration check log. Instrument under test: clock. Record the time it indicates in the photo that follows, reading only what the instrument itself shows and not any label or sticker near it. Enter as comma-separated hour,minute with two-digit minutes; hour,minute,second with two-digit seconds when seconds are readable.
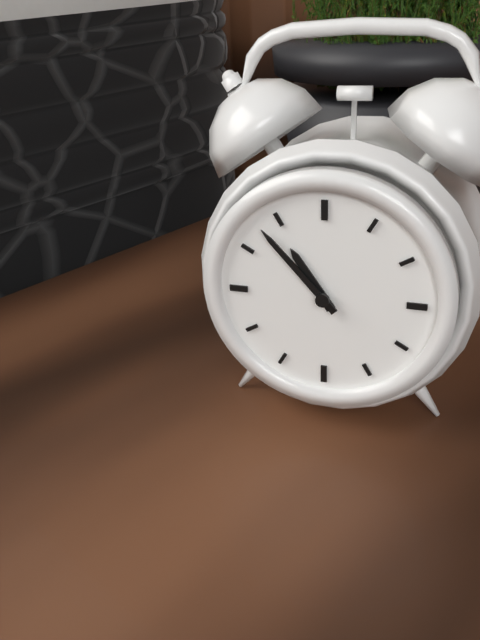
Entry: 10,53
